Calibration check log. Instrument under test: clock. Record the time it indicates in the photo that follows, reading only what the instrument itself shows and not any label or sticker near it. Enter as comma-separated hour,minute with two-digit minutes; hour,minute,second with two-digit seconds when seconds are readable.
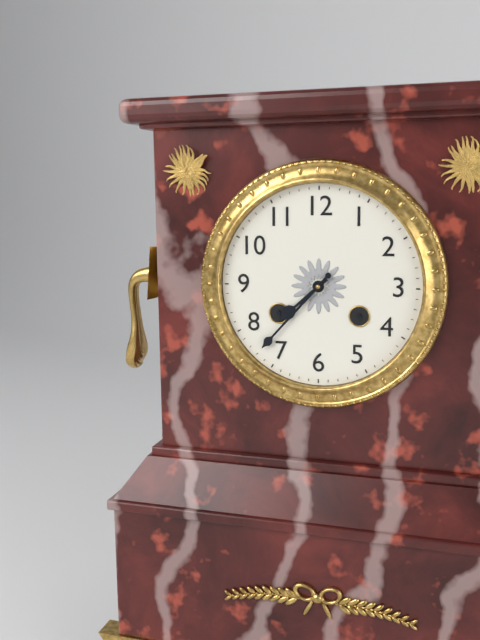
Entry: 7,37
